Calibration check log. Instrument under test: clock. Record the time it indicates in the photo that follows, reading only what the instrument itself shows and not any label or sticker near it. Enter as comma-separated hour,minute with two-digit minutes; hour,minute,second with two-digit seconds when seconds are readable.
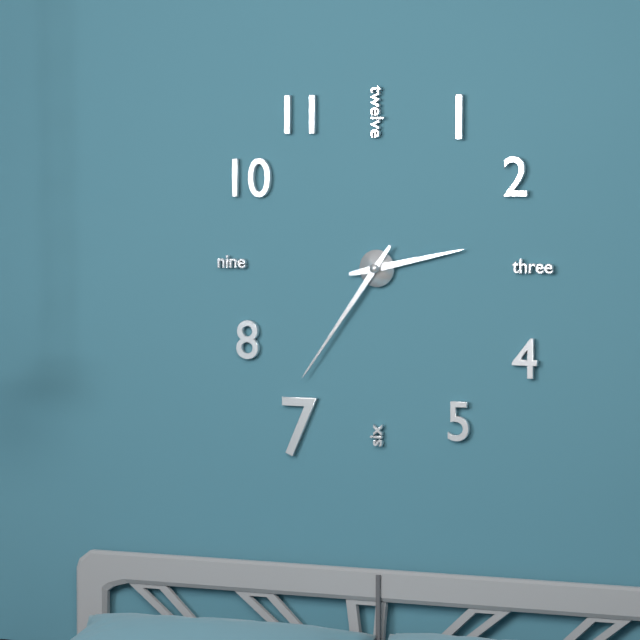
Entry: 2,36
